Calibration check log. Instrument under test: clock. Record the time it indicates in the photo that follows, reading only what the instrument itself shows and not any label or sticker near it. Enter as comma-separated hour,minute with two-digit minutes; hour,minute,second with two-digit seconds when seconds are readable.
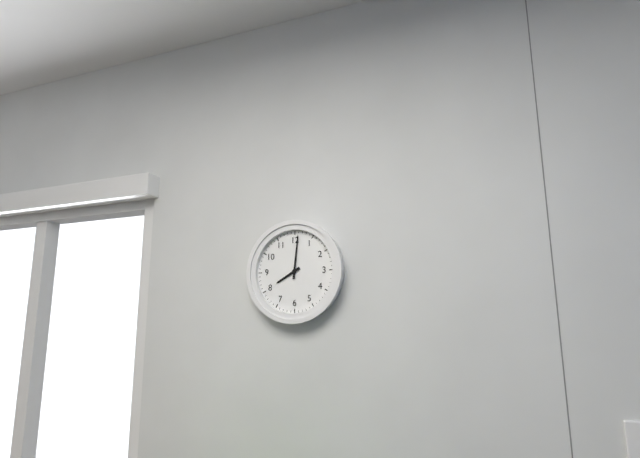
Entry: 8,01
